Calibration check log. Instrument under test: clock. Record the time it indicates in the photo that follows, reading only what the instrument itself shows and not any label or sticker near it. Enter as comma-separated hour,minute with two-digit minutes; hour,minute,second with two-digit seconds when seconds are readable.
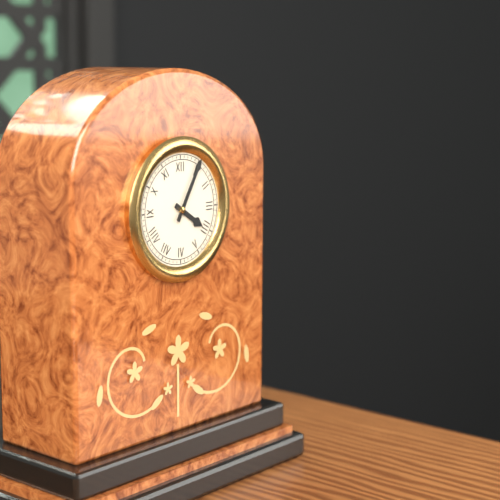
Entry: 4,05
